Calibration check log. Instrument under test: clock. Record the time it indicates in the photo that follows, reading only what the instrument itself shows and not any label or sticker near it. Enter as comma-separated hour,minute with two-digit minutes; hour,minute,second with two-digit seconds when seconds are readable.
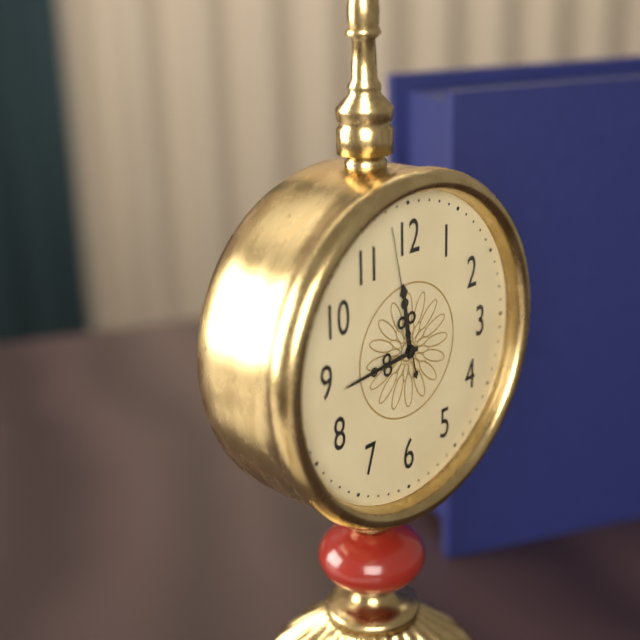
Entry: 11,44,58
